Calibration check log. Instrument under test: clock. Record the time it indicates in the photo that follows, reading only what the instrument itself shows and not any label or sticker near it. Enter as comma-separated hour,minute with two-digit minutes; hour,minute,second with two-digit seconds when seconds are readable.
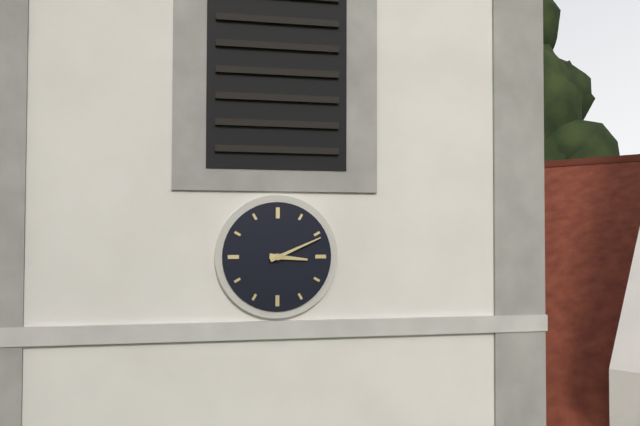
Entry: 3,11
